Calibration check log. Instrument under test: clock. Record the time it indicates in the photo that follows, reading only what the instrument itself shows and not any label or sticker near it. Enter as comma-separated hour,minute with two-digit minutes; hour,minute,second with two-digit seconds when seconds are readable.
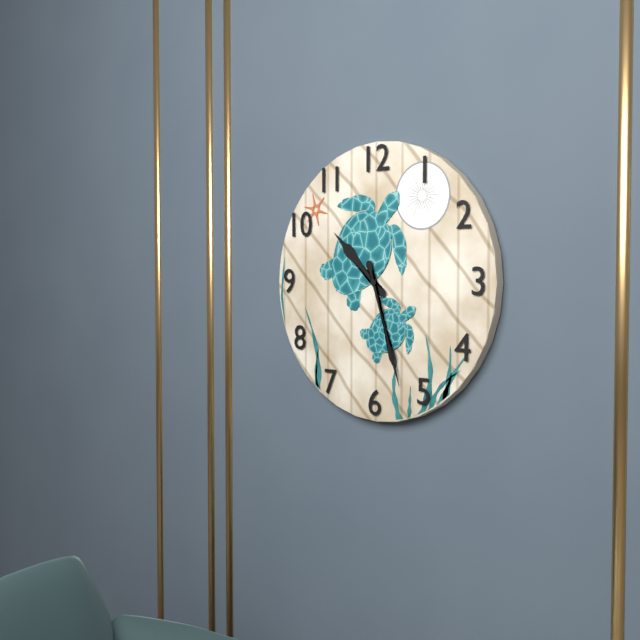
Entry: 10,27
